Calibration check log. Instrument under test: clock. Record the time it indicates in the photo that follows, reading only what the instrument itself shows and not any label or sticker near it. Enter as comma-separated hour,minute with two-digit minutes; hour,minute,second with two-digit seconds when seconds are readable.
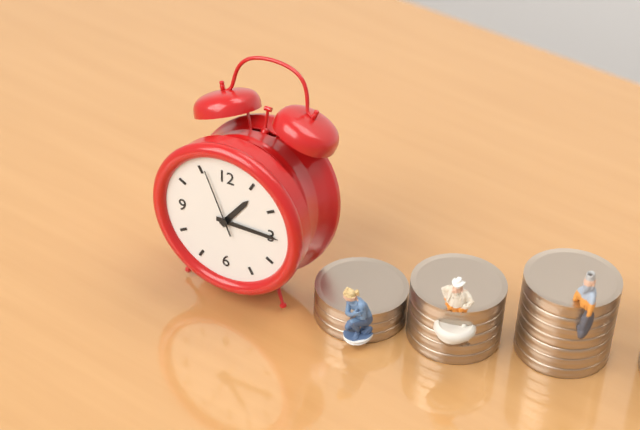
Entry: 1,15,56
